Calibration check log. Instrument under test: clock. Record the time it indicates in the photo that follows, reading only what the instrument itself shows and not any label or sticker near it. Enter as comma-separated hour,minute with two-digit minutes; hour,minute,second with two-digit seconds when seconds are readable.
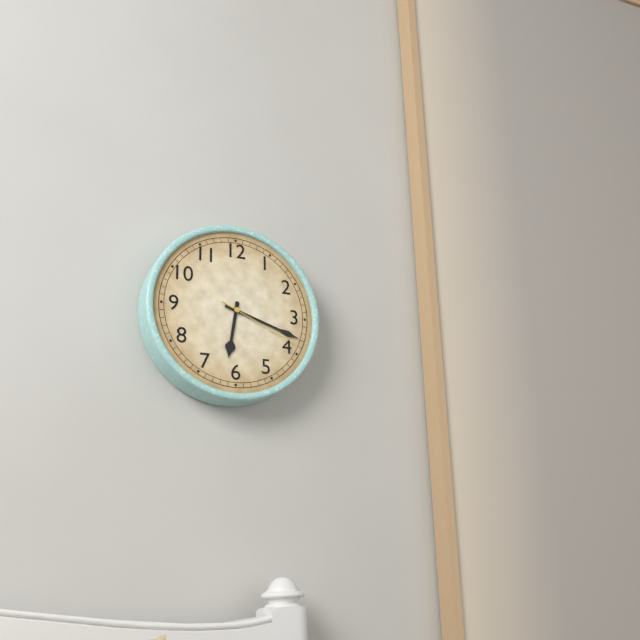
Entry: 6,18,19
